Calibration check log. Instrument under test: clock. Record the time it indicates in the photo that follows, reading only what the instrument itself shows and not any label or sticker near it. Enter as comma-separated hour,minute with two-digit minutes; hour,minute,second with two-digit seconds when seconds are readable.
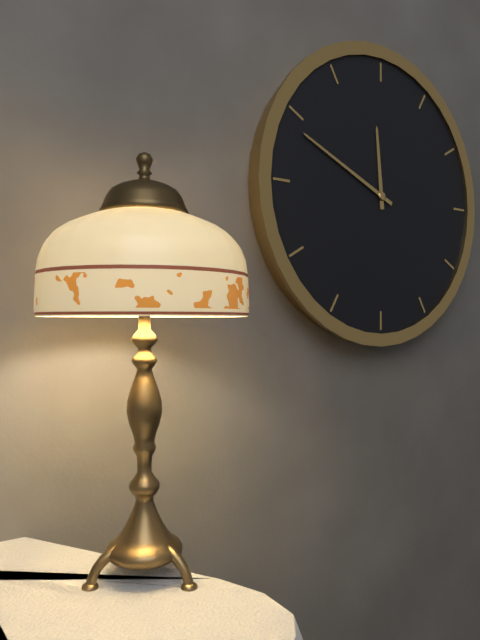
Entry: 11,49
